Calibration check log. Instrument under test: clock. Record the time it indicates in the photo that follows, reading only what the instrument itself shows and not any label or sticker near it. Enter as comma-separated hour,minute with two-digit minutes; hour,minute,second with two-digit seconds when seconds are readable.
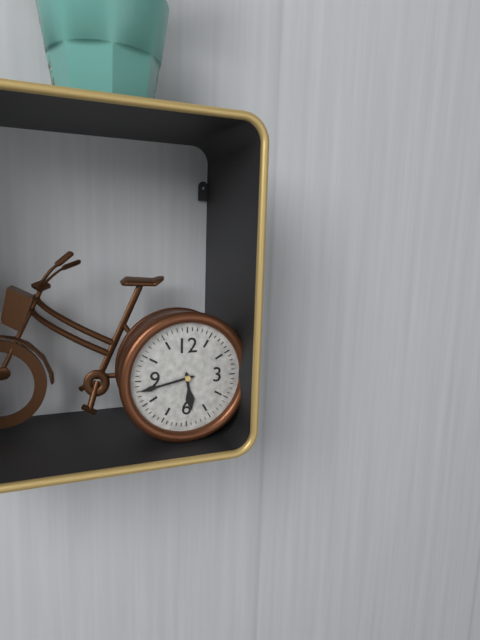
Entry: 5,43
